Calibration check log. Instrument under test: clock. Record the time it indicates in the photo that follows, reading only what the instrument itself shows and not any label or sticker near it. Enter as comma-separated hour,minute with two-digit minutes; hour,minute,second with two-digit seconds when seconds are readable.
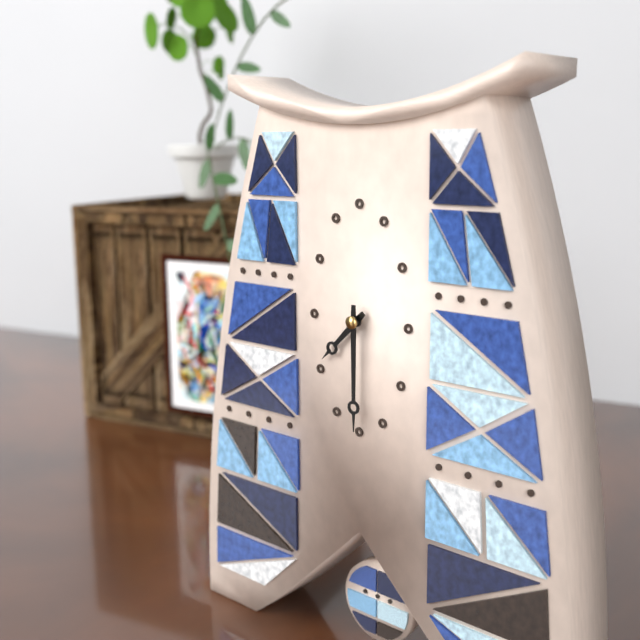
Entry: 7,30
